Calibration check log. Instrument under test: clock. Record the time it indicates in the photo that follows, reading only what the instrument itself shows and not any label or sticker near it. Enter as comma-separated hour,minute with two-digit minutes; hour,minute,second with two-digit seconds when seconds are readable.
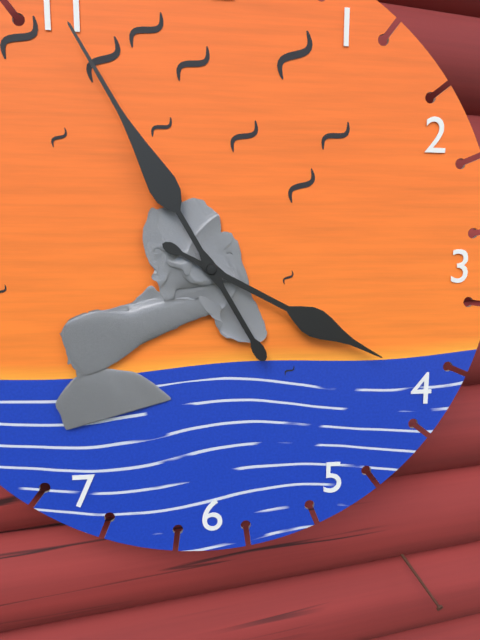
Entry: 3,55
